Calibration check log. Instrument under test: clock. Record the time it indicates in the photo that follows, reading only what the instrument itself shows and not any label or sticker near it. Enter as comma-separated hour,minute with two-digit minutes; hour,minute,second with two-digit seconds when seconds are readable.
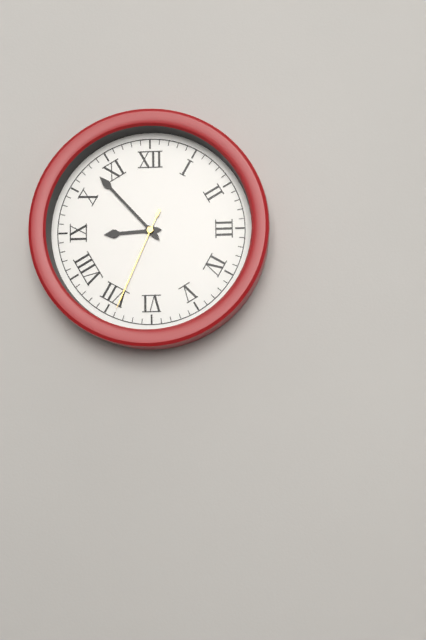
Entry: 8,53,34
